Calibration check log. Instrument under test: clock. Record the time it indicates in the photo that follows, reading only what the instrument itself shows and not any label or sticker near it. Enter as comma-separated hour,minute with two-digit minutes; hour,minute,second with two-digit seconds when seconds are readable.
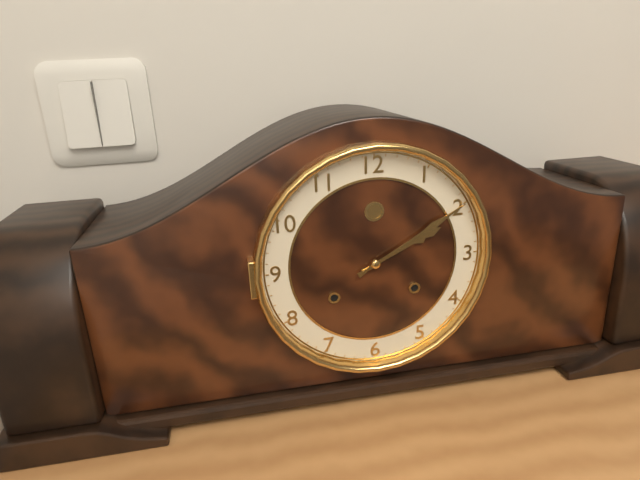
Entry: 2,10
